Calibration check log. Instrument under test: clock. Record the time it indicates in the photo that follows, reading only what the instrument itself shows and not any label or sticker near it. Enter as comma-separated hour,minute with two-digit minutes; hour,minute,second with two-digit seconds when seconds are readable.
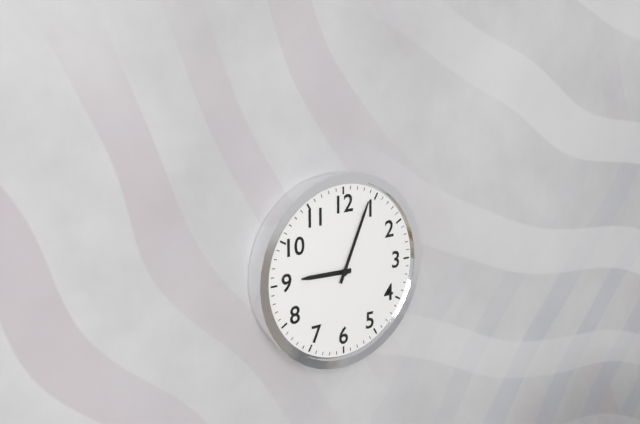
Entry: 9,04
